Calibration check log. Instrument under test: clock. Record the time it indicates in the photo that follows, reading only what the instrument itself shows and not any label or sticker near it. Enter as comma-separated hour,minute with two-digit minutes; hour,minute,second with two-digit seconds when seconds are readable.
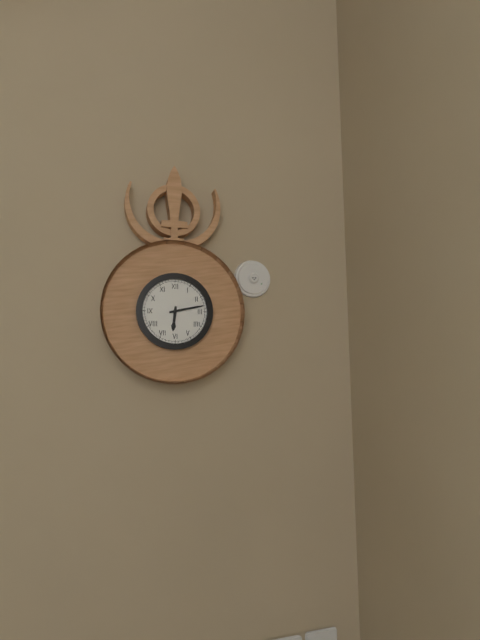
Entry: 6,13
